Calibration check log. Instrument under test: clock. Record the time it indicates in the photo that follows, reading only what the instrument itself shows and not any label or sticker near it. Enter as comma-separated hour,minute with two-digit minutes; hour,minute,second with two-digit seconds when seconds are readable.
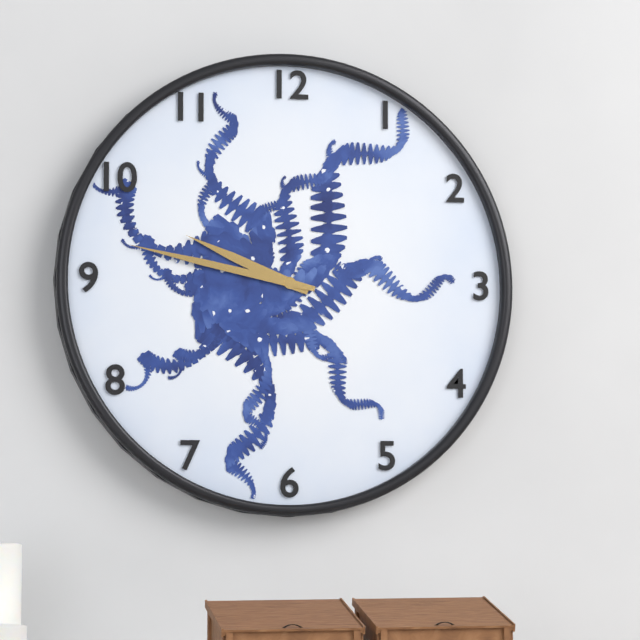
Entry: 9,47
